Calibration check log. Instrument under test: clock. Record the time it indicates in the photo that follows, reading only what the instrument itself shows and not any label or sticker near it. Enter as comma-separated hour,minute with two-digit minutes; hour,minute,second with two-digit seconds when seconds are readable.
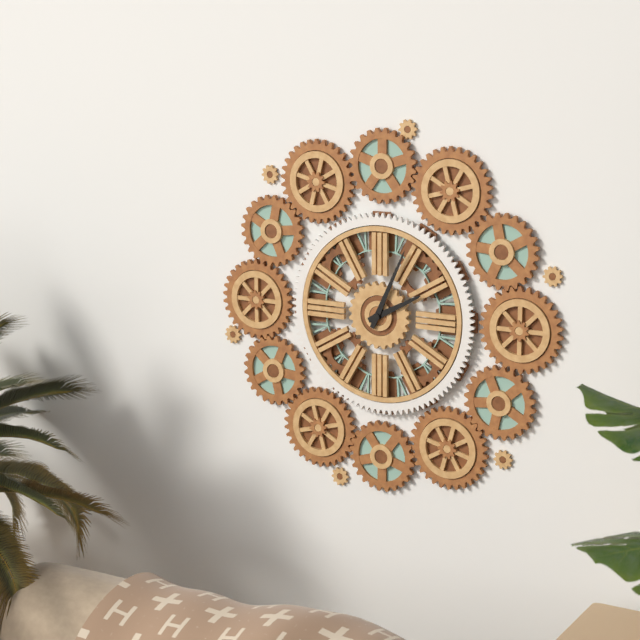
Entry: 2,04
